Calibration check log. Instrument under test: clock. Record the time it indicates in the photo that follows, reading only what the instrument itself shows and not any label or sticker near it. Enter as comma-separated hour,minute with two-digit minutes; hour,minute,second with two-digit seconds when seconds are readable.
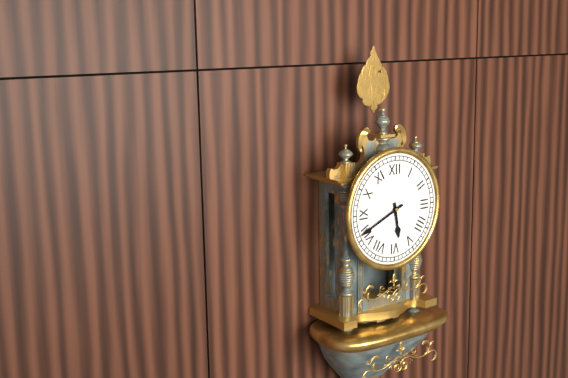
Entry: 5,41
